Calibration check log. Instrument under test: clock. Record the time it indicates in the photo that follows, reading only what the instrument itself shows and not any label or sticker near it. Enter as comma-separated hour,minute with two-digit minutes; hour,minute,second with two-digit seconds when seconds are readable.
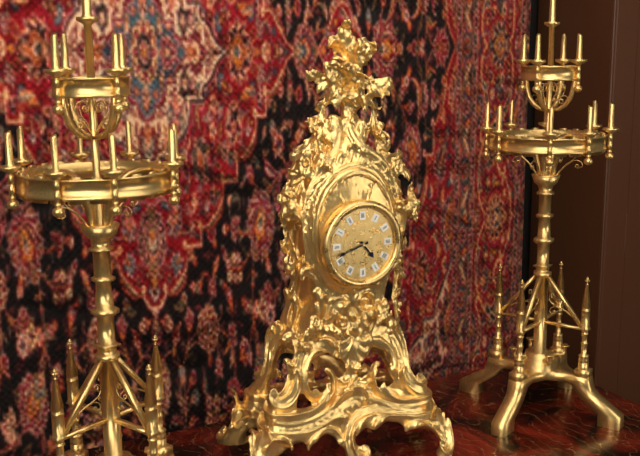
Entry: 4,42
